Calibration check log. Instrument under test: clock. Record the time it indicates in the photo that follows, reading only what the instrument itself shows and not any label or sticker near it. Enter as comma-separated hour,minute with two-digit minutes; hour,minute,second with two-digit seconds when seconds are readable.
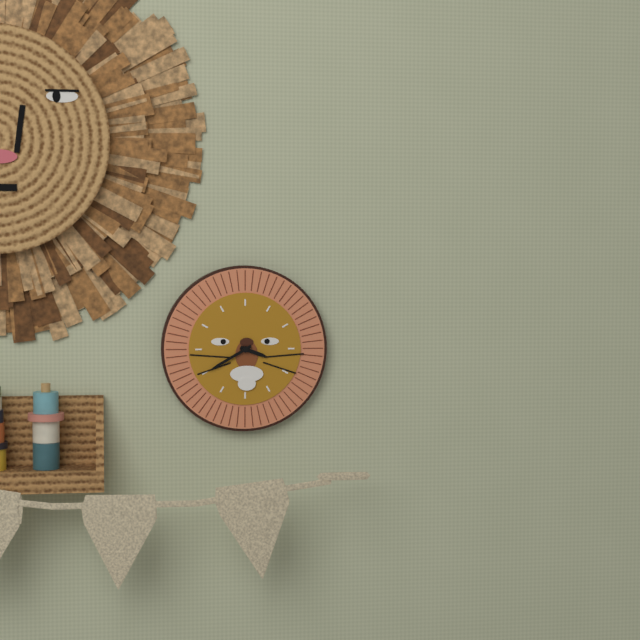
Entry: 3,40
